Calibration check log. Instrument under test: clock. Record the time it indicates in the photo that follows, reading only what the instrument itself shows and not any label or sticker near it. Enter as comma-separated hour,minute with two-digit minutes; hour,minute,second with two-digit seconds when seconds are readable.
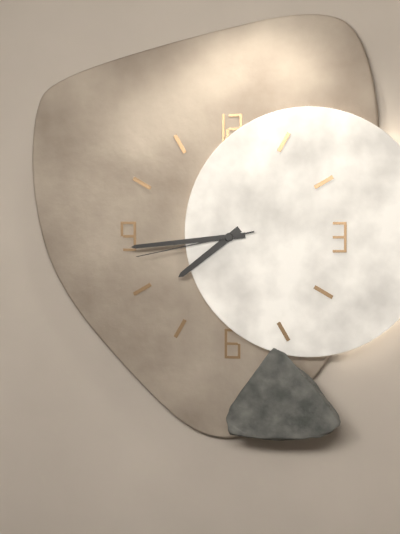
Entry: 7,44,43
